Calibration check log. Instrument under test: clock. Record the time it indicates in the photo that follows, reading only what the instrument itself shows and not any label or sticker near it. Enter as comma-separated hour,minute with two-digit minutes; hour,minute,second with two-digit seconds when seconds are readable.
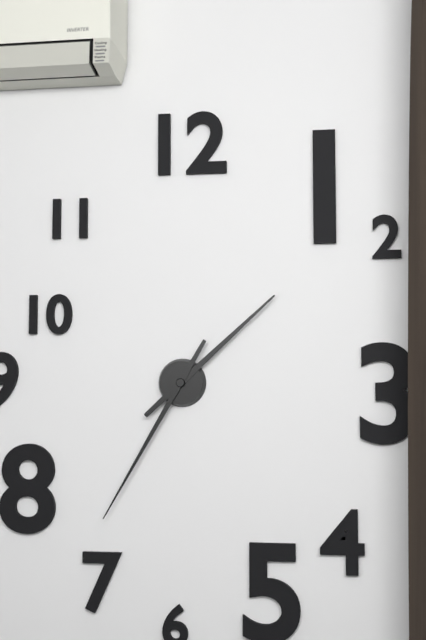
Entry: 1,35
